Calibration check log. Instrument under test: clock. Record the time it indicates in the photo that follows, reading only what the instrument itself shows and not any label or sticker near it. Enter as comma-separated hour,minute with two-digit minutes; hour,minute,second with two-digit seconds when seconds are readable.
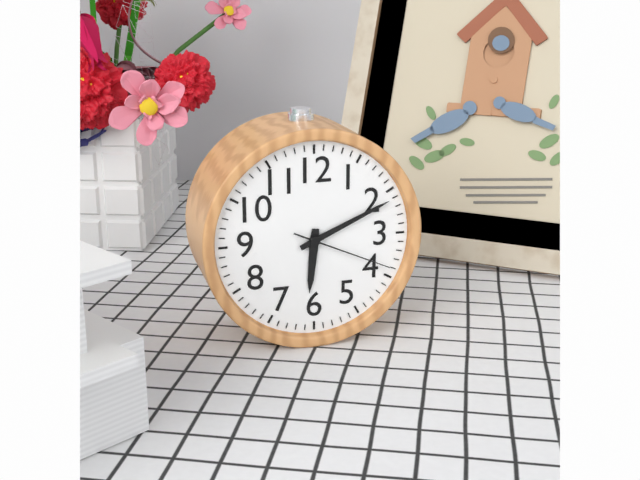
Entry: 6,11,19
